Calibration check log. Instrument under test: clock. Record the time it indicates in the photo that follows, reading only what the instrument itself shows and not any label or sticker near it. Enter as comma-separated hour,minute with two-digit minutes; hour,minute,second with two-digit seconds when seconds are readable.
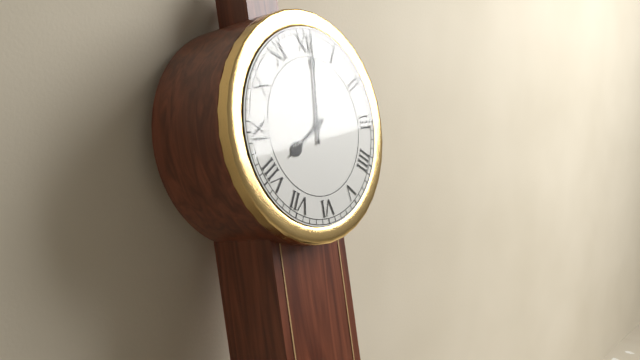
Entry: 8,01
